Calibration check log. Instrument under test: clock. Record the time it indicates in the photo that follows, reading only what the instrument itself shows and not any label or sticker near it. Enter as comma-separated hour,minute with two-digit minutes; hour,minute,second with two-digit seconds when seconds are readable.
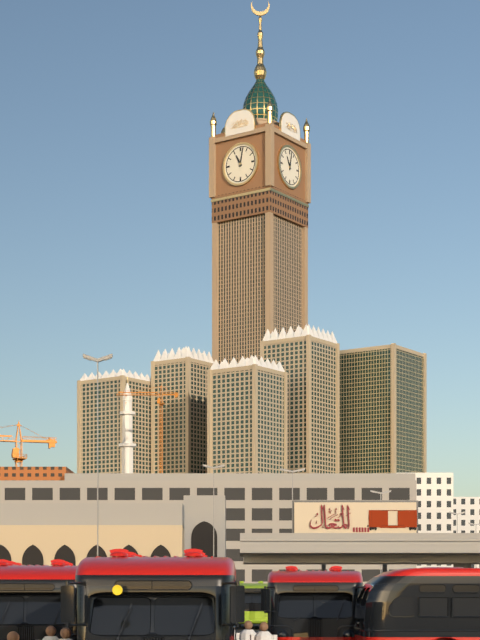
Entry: 11,02
